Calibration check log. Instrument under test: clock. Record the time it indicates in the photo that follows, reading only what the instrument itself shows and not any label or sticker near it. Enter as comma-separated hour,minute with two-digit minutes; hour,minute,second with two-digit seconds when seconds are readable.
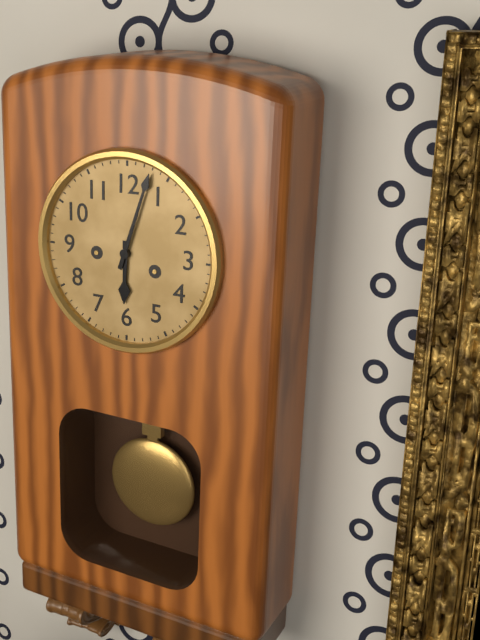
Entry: 6,03
